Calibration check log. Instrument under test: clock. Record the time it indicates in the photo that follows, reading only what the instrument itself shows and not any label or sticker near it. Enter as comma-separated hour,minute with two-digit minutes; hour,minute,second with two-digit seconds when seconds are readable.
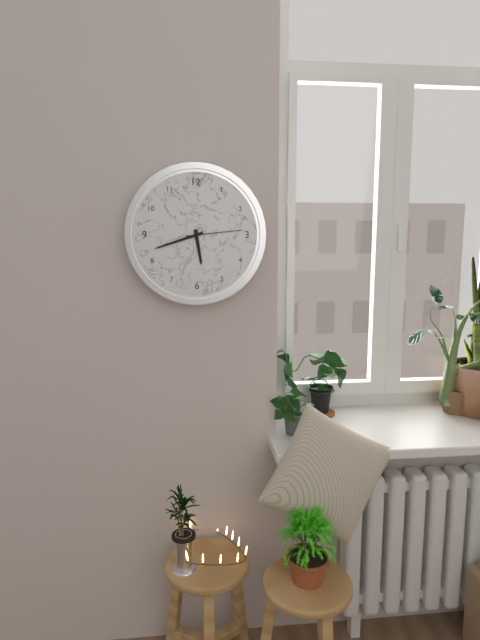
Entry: 5,42,14
